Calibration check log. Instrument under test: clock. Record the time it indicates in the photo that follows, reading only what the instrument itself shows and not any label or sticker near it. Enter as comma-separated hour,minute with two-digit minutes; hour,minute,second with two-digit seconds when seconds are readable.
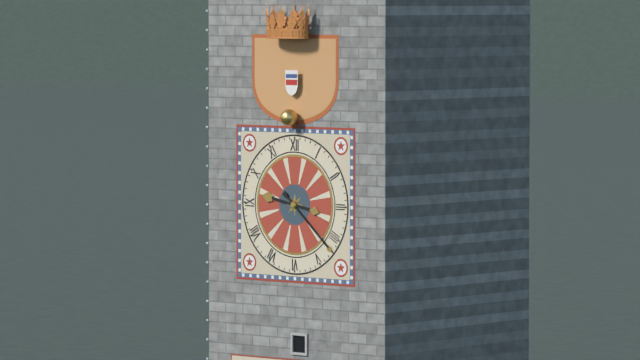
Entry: 9,22
